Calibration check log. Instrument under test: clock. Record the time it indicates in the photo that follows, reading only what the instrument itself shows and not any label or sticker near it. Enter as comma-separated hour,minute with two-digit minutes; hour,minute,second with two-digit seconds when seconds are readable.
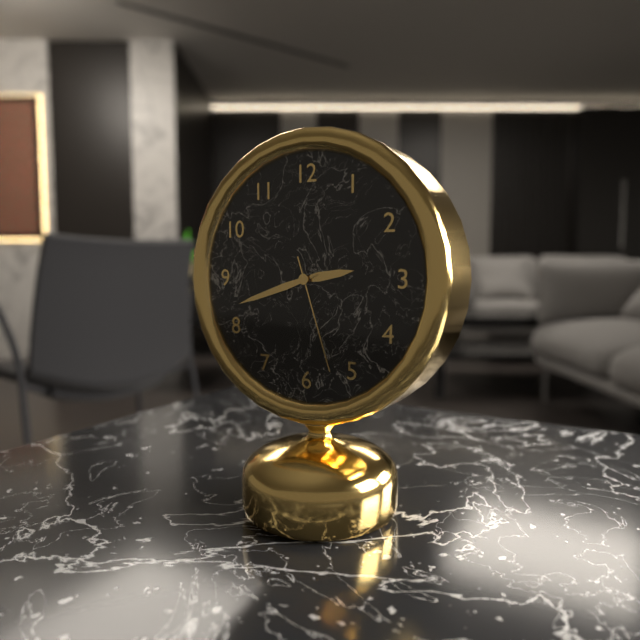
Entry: 2,42,27
